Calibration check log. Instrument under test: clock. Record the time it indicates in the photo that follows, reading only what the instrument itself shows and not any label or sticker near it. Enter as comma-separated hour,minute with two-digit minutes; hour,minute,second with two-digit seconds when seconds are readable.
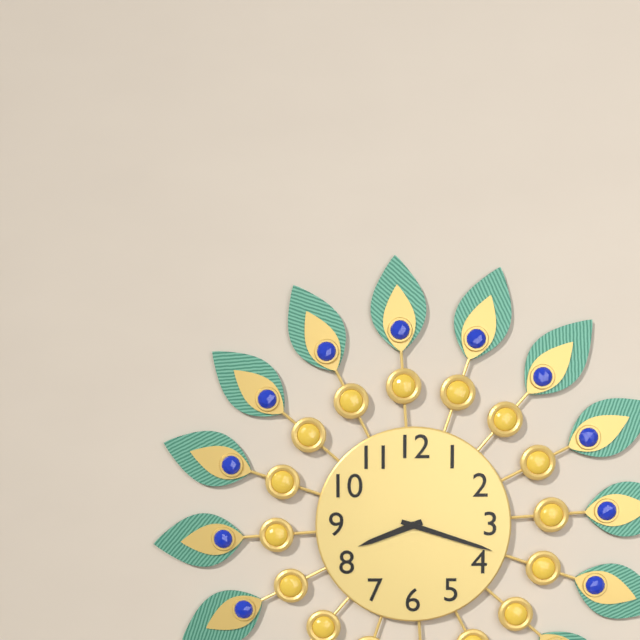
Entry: 8,18
